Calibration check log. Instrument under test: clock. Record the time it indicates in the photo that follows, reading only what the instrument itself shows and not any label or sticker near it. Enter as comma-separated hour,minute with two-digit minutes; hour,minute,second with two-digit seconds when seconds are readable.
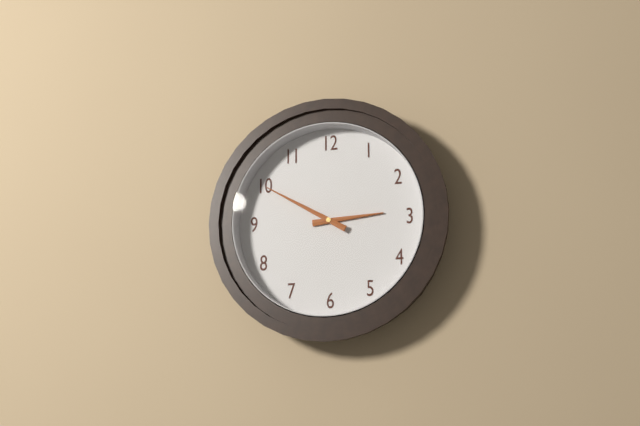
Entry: 2,50
